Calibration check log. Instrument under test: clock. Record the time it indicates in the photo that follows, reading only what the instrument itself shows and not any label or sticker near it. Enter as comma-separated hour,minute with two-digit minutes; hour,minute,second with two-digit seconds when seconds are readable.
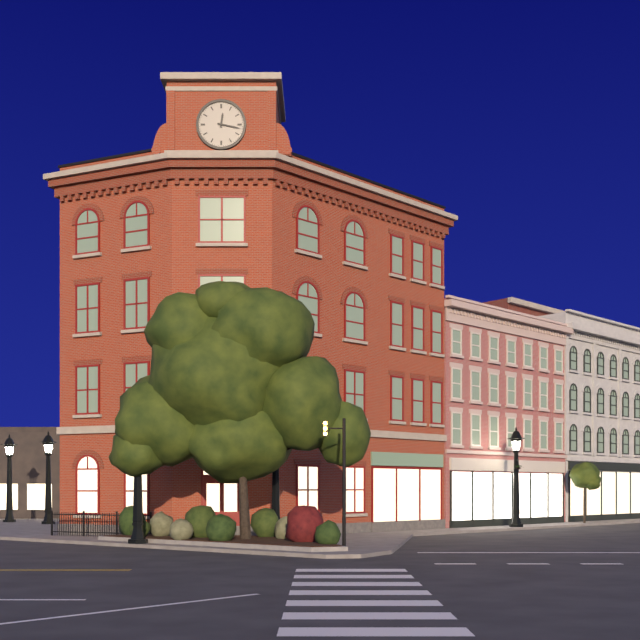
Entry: 12,17
